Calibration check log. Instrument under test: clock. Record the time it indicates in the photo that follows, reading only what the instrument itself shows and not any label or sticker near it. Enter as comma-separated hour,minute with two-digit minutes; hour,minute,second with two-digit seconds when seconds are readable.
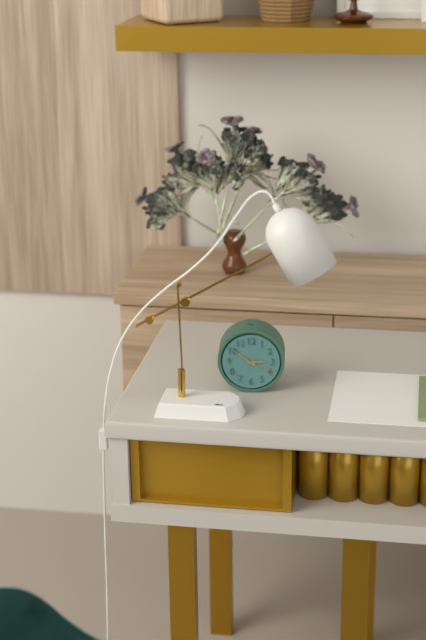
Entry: 2,51
